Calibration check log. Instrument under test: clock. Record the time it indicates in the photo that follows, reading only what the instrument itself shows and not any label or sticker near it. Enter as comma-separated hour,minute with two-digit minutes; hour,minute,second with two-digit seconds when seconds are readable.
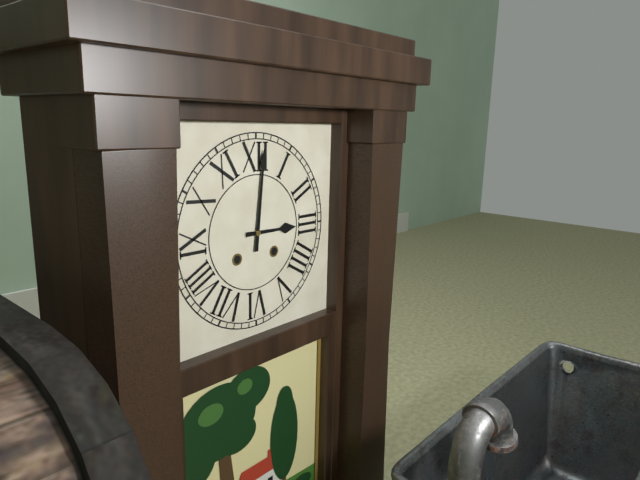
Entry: 3,01
